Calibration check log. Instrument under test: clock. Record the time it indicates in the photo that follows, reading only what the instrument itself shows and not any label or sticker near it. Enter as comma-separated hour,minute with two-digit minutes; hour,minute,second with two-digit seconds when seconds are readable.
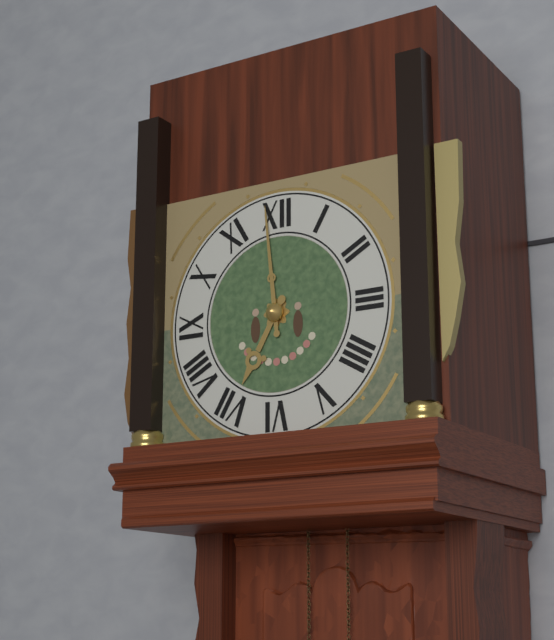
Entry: 6,59
